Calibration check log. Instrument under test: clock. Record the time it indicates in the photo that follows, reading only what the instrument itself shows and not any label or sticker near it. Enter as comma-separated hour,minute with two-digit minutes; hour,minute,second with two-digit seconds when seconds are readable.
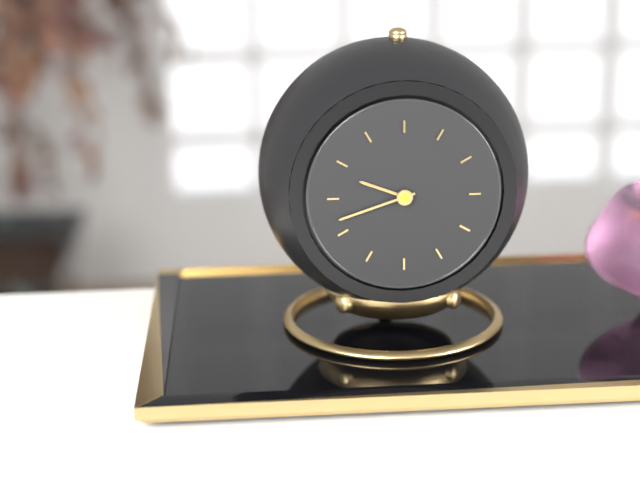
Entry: 9,42
